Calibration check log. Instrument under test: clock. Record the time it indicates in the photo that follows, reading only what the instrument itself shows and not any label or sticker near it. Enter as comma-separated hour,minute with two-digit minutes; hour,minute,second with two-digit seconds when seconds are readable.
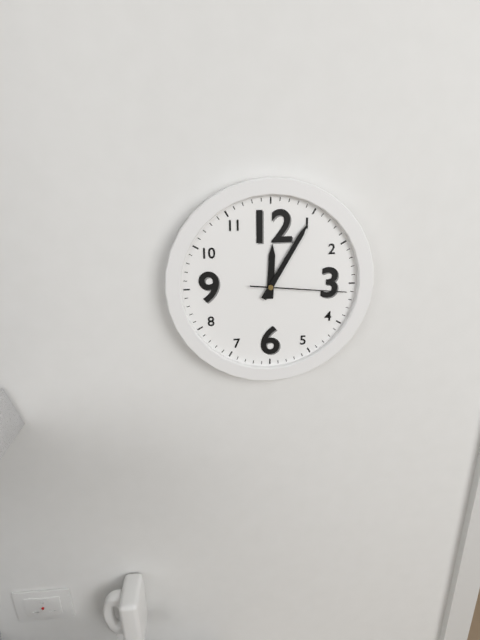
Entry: 12,05,16
